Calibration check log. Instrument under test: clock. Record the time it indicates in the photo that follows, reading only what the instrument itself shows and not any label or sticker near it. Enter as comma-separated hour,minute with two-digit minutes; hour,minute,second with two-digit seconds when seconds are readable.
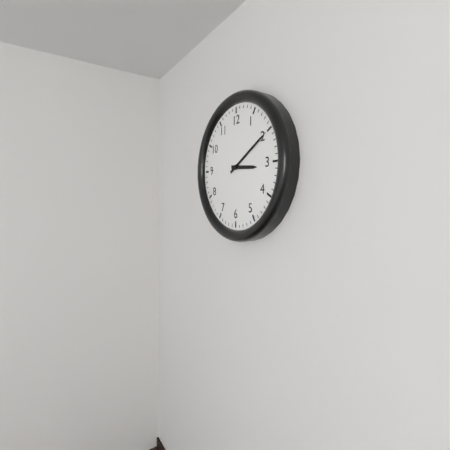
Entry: 3,10
